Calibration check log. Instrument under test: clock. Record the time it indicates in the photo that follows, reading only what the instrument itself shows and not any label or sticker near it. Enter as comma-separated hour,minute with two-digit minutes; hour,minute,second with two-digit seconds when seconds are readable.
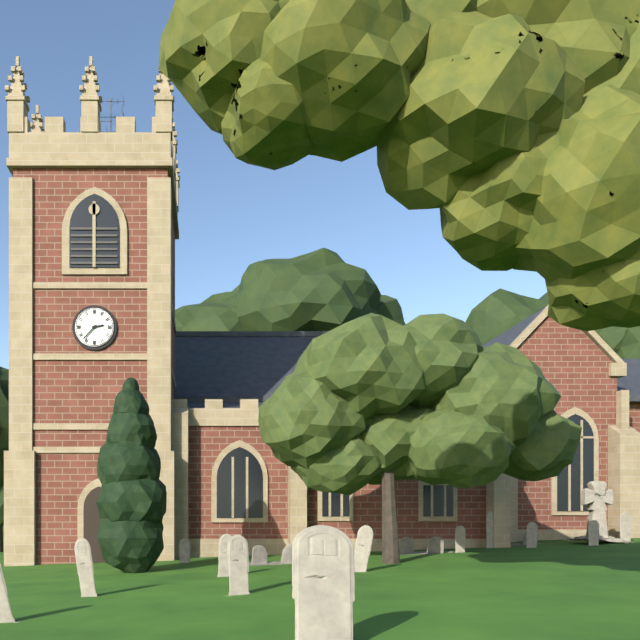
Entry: 2,37
